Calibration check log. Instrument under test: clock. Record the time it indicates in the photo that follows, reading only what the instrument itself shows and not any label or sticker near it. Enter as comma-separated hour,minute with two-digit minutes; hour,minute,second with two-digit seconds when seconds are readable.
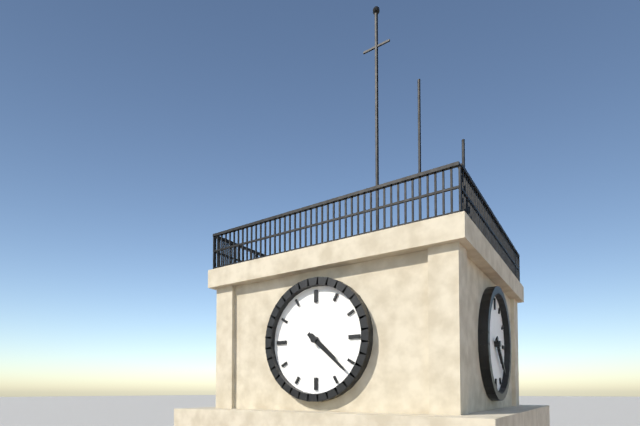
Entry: 4,22
